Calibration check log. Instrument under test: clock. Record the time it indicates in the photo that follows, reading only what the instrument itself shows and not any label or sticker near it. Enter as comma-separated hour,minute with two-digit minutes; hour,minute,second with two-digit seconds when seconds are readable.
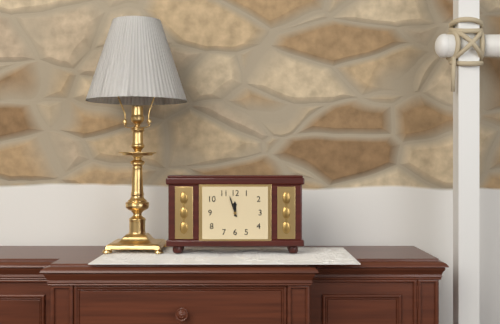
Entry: 11,57
